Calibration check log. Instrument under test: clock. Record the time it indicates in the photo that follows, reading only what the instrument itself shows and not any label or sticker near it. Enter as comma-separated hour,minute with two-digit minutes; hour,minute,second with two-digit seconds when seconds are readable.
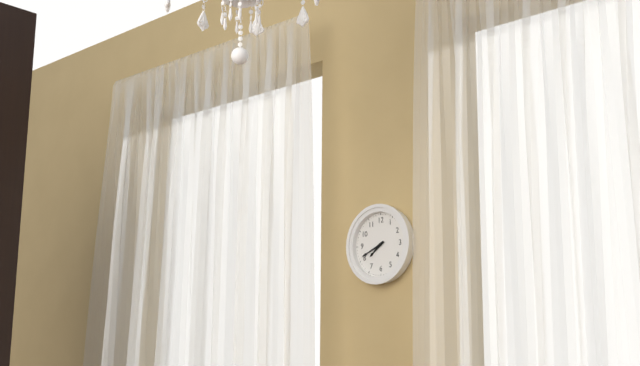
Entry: 7,41
